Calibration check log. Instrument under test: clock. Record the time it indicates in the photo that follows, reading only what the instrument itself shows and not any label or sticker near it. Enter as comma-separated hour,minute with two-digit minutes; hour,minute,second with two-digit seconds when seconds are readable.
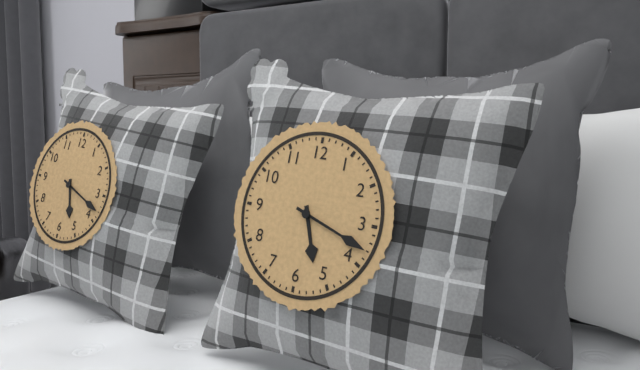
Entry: 5,18
